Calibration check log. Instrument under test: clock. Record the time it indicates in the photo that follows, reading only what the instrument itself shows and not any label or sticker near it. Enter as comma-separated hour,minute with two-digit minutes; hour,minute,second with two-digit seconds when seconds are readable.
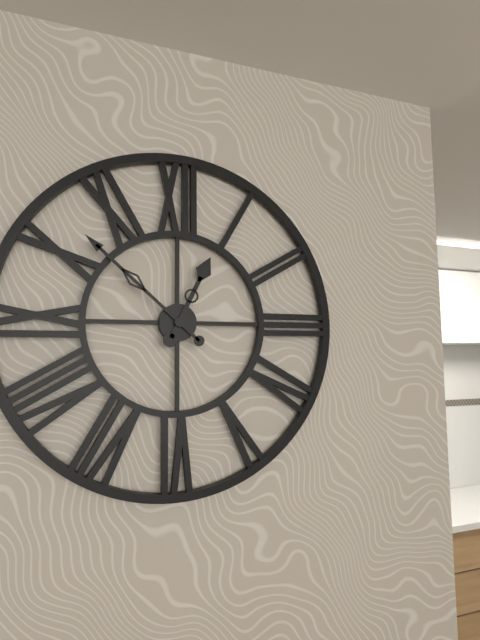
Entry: 12,52
